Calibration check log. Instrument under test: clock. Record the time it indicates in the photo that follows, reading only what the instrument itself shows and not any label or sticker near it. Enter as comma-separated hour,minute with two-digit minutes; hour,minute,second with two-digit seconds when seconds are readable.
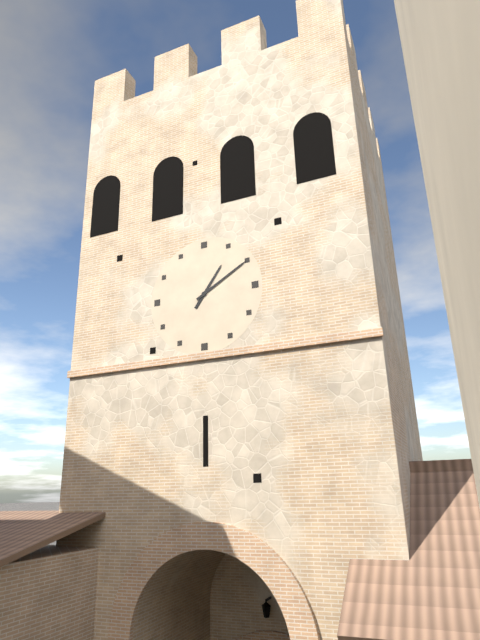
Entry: 1,10
